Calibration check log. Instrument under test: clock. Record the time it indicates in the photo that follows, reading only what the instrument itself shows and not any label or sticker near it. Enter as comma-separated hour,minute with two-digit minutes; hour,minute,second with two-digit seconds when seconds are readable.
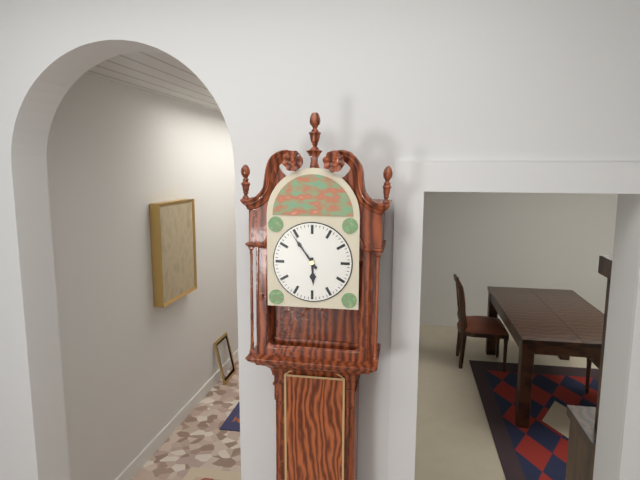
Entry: 5,54
